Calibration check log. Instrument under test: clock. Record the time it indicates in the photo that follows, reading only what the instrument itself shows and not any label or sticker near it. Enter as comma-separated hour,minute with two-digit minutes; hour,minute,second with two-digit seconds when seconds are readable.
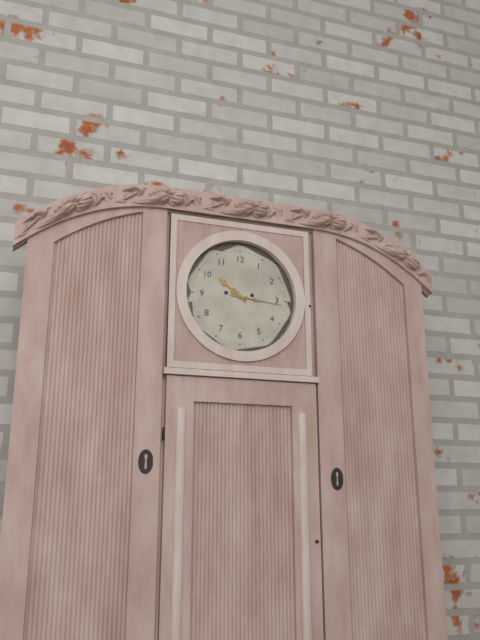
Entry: 10,16
